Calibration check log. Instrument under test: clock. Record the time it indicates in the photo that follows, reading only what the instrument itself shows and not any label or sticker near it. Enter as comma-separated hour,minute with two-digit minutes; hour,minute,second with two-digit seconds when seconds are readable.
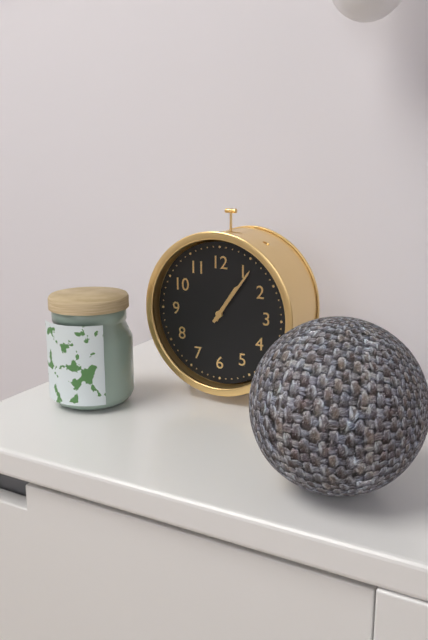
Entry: 1,06
